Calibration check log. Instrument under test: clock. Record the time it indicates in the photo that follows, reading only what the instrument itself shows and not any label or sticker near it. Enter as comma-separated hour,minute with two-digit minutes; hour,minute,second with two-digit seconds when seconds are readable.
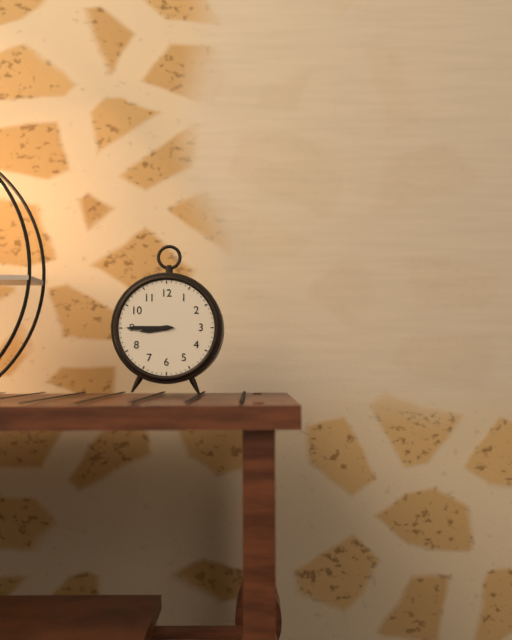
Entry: 8,45
